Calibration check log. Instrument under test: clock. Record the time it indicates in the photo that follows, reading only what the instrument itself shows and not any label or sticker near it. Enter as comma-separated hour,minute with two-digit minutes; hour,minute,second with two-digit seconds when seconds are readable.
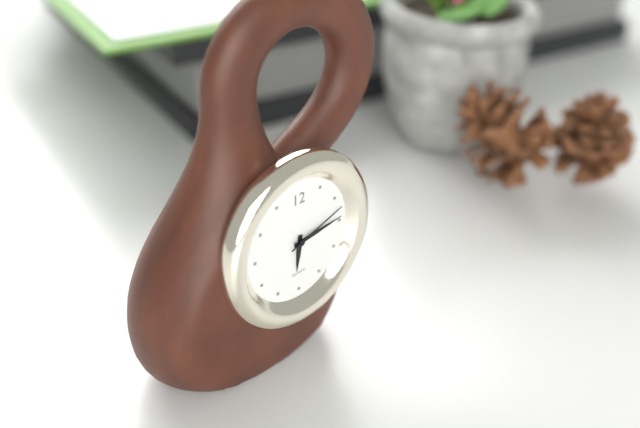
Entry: 6,14,12
